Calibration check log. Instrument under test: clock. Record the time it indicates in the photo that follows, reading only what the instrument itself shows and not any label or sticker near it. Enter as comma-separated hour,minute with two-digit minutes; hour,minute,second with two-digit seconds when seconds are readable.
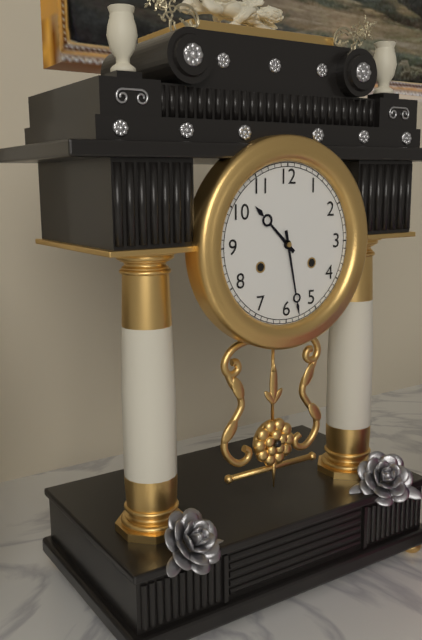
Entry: 10,28
